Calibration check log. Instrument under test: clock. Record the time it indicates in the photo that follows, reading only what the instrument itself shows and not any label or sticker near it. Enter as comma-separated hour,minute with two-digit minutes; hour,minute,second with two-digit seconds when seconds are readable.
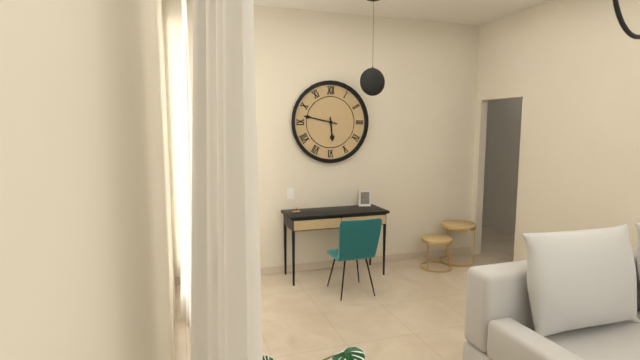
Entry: 5,47
